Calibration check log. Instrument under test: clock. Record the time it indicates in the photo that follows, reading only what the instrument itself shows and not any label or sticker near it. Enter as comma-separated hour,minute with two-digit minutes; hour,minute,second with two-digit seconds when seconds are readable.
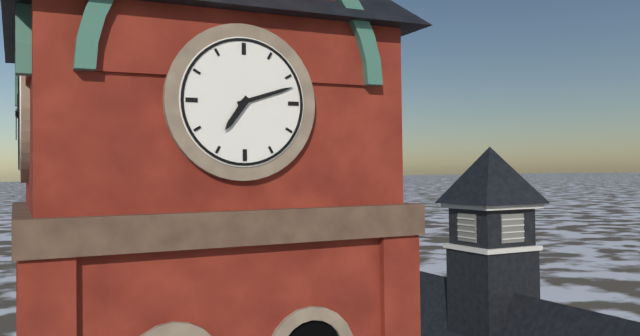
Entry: 7,12
